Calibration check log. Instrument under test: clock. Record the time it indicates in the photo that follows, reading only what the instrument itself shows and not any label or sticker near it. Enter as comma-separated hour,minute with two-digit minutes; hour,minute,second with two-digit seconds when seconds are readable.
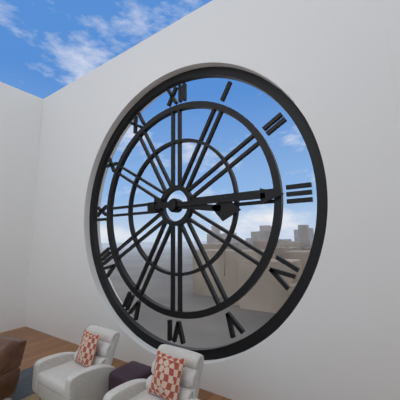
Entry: 3,15
